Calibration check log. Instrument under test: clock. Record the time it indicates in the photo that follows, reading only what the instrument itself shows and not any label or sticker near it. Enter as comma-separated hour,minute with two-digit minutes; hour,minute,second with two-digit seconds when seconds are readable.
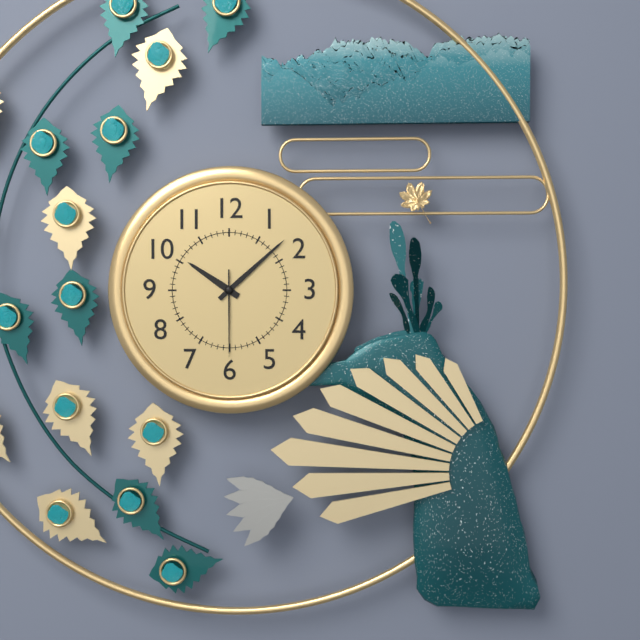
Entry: 10,08,30
